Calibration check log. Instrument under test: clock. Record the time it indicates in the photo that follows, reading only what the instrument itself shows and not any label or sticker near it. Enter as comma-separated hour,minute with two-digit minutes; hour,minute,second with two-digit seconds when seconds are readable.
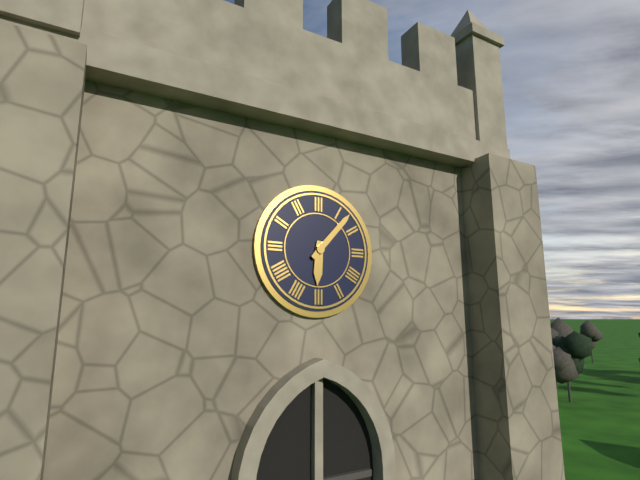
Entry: 6,07
